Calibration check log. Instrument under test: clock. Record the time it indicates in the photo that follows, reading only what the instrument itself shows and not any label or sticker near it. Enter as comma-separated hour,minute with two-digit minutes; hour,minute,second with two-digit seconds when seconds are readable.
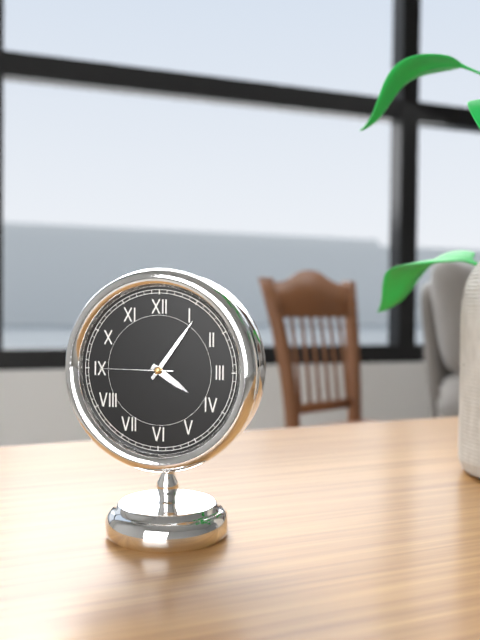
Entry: 4,06,45
